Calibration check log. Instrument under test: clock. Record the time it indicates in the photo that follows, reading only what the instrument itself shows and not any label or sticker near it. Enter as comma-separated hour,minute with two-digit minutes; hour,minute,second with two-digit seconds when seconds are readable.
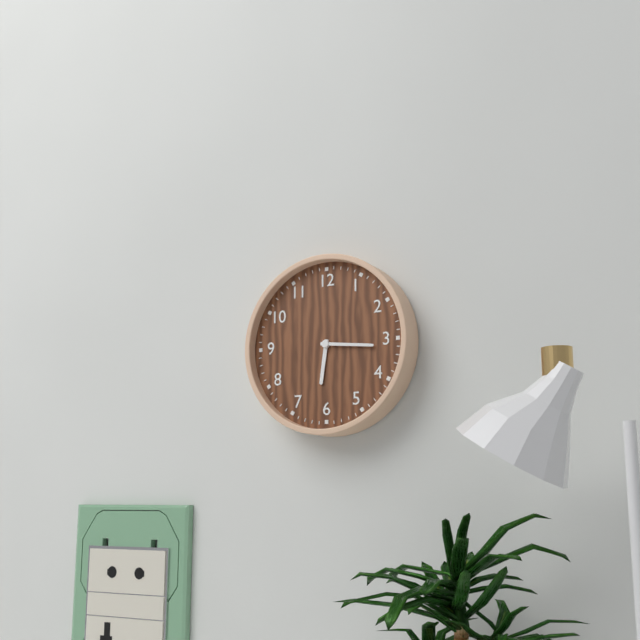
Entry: 6,16
